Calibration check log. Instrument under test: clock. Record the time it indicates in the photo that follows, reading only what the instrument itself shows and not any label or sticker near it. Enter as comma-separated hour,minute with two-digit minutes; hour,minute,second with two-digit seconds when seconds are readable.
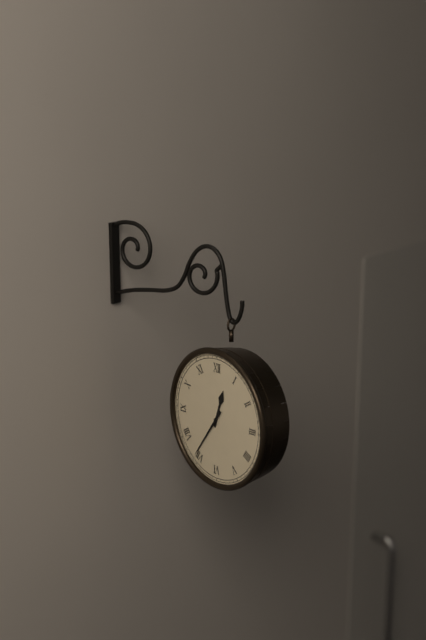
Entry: 12,36
